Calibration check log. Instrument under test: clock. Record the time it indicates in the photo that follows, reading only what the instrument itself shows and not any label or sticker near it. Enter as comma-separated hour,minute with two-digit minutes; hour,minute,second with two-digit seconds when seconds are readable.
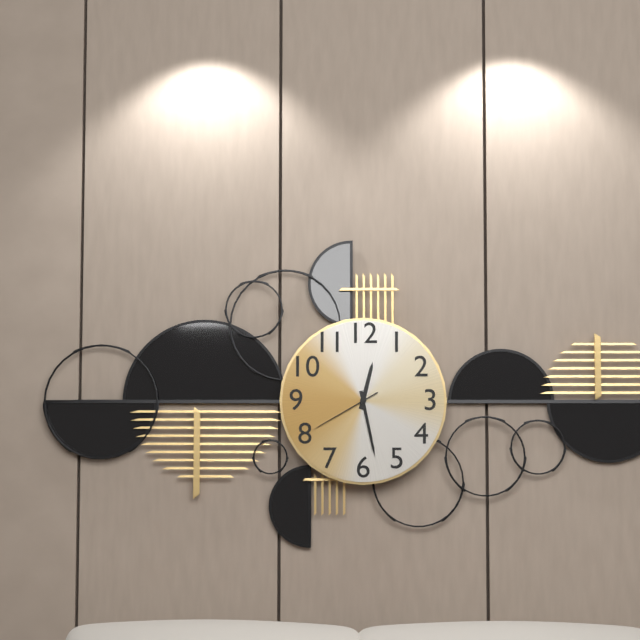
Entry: 12,28,40
